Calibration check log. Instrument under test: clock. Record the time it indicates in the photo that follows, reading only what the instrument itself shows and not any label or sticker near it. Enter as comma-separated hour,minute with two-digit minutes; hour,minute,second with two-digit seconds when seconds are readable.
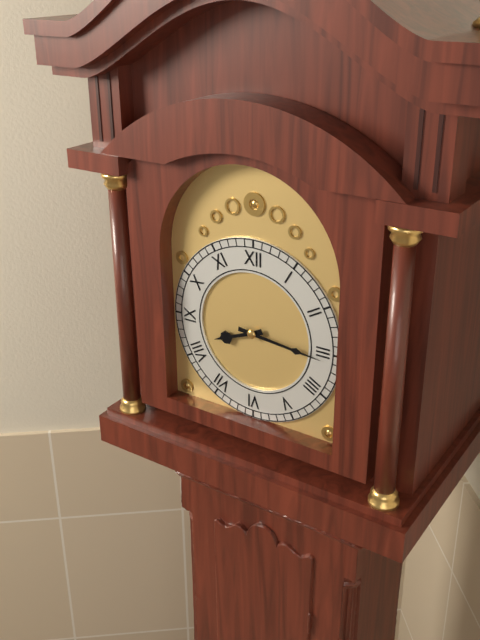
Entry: 8,16
